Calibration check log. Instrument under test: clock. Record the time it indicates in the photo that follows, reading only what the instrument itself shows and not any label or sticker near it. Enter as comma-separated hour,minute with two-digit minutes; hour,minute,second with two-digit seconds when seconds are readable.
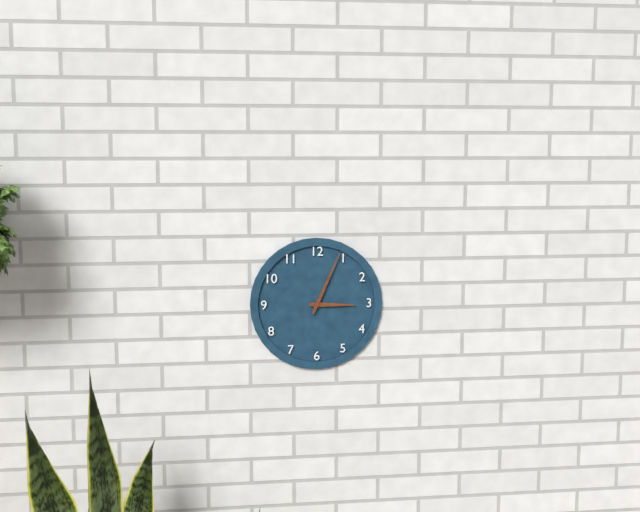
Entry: 3,04
